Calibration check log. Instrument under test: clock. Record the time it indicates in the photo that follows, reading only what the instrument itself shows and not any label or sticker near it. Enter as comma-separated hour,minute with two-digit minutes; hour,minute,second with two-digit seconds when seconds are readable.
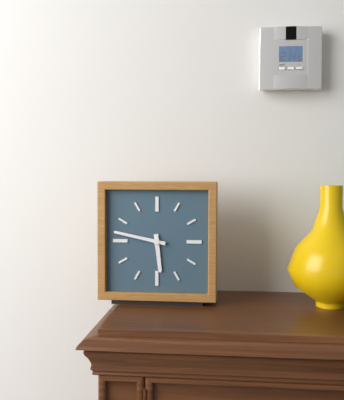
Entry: 5,47
